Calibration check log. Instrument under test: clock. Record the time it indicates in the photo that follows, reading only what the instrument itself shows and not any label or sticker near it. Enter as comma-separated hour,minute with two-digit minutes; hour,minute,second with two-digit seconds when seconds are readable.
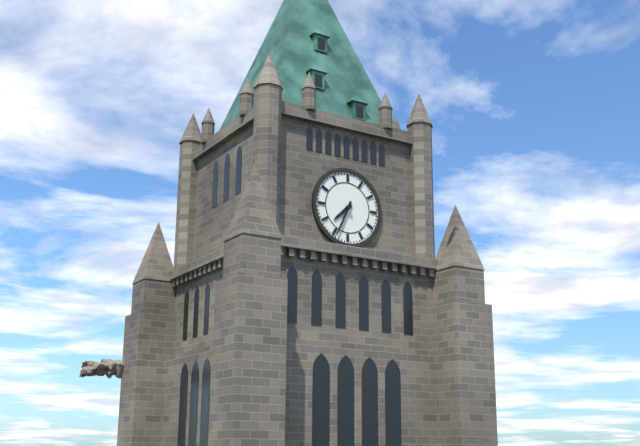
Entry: 7,34
